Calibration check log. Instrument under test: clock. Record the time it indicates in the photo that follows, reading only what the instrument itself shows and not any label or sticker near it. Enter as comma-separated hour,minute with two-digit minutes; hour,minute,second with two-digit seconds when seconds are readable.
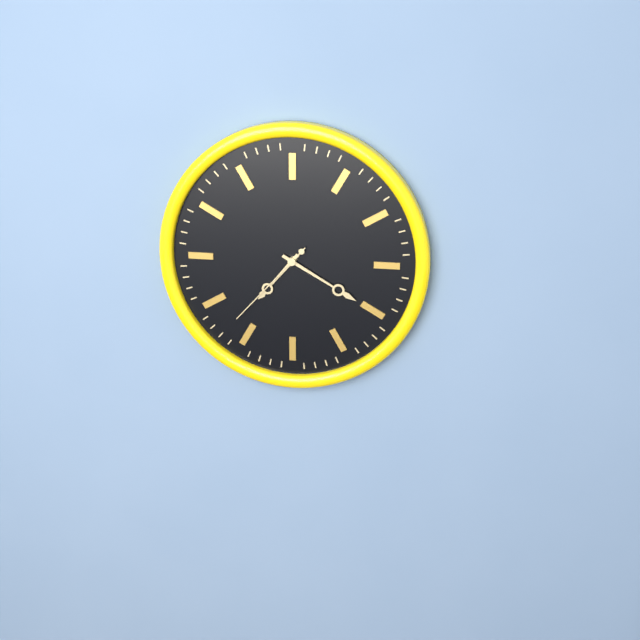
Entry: 7,20,37
